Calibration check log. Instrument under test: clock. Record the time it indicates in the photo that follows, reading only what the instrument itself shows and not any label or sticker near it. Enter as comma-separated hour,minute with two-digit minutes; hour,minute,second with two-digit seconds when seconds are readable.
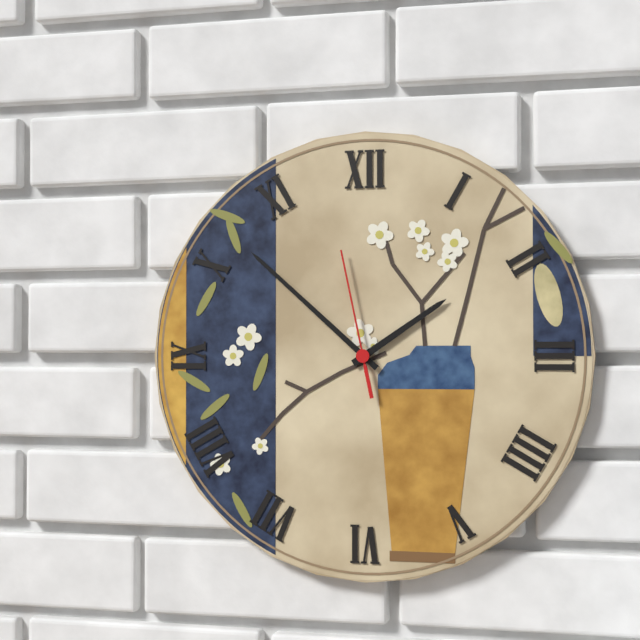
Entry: 1,52,58
